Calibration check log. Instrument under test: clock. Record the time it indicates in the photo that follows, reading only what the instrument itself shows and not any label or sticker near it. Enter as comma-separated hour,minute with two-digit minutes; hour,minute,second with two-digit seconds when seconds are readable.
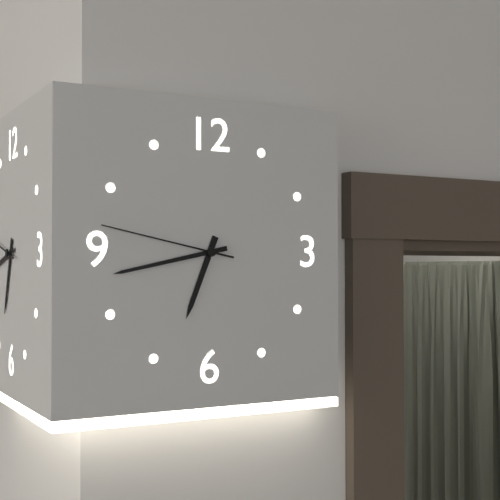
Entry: 6,43,47
